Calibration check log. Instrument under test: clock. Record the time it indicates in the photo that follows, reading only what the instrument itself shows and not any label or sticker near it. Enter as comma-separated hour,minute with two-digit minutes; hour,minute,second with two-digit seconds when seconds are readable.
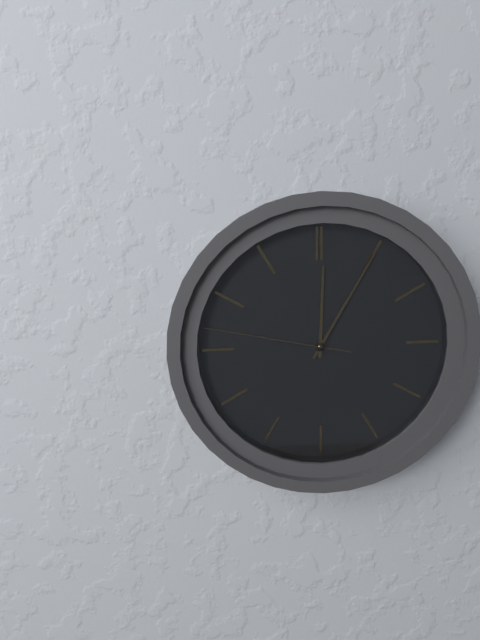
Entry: 12,05,47
